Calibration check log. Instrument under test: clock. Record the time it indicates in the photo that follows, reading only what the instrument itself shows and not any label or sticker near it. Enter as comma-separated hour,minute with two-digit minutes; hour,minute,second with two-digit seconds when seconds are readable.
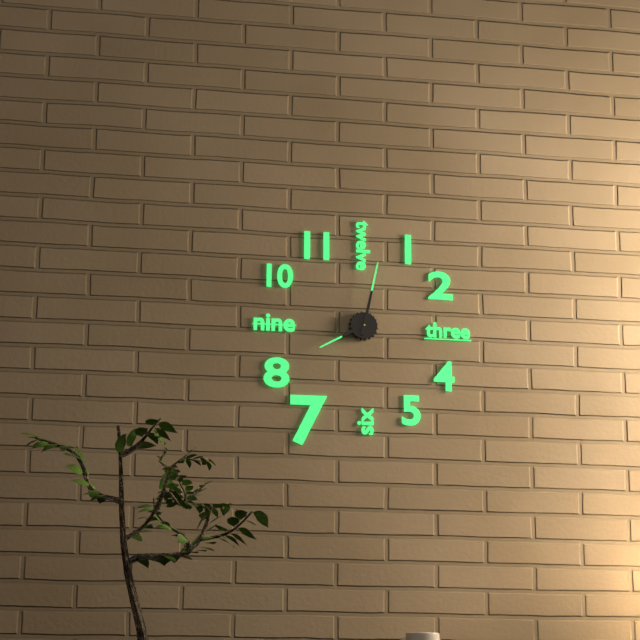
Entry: 8,02
